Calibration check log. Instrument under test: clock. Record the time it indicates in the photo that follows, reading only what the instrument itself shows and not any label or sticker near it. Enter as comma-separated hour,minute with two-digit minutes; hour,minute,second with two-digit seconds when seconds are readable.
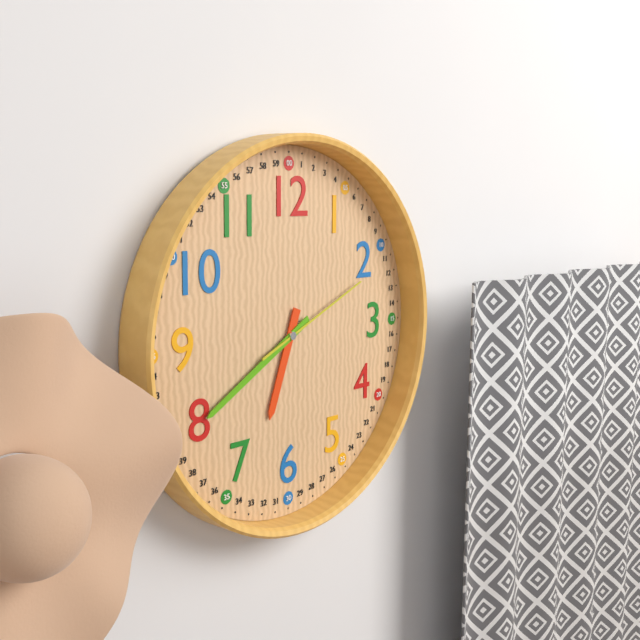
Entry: 6,40,11
